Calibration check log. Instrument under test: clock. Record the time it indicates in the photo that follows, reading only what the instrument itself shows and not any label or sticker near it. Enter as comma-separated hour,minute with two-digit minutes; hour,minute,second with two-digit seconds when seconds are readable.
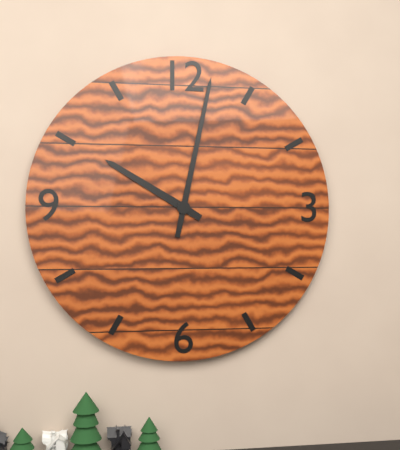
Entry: 10,02
